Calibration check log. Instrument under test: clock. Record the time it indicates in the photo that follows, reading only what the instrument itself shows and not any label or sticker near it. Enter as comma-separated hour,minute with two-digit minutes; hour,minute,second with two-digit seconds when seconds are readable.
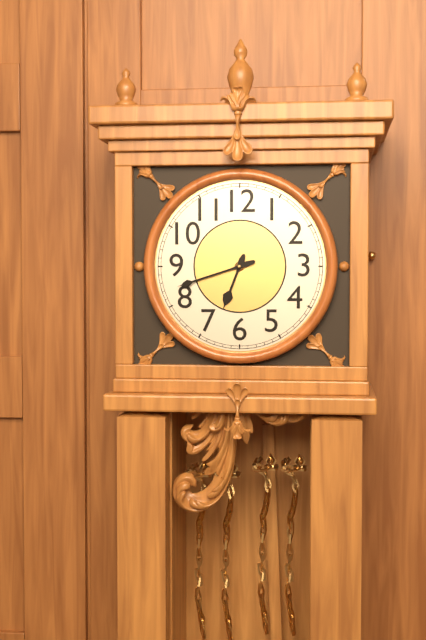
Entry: 6,42
